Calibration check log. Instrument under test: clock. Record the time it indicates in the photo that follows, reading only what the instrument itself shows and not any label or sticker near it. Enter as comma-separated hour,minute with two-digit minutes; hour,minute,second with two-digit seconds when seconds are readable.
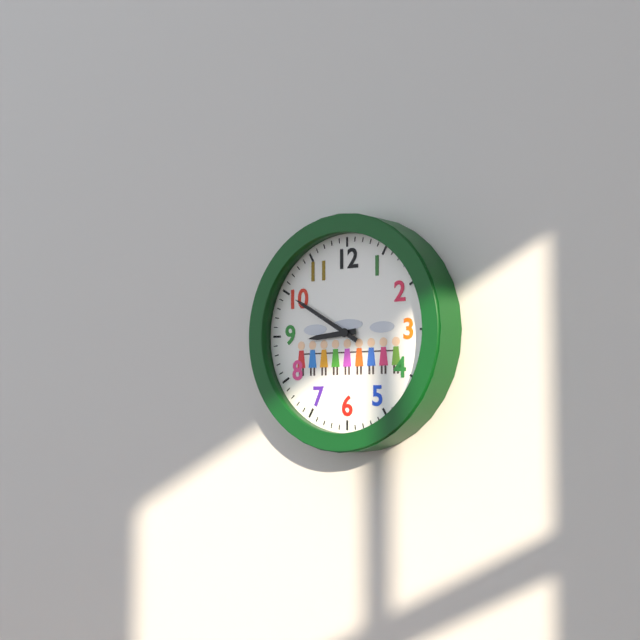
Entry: 8,50
